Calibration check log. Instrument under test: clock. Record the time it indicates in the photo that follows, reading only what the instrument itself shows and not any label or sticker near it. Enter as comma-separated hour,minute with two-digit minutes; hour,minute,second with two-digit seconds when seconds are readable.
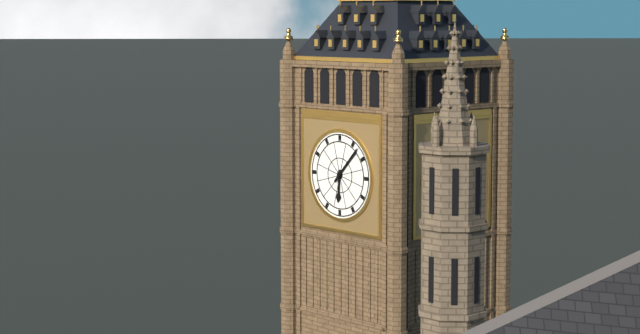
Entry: 6,07
